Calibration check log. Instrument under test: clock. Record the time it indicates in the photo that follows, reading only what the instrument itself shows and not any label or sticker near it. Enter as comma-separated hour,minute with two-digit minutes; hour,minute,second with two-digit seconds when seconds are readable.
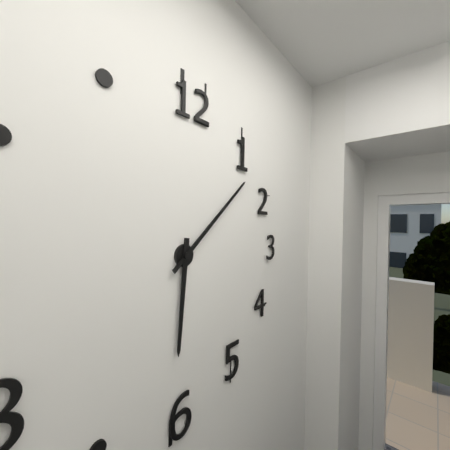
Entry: 6,08
